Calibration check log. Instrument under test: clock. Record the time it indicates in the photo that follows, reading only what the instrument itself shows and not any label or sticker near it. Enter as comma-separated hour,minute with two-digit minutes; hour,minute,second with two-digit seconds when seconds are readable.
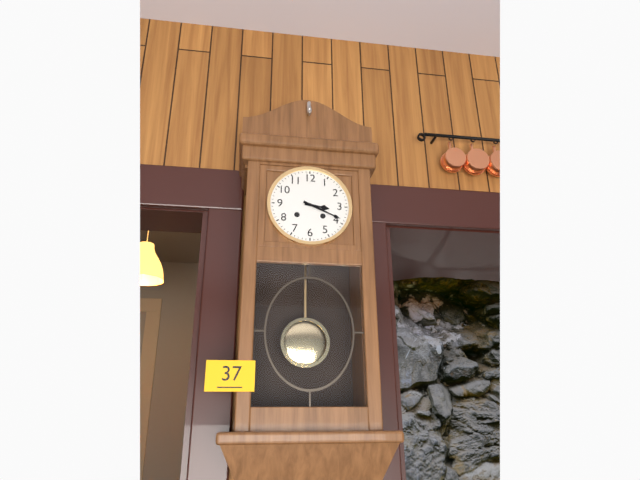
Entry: 3,19
